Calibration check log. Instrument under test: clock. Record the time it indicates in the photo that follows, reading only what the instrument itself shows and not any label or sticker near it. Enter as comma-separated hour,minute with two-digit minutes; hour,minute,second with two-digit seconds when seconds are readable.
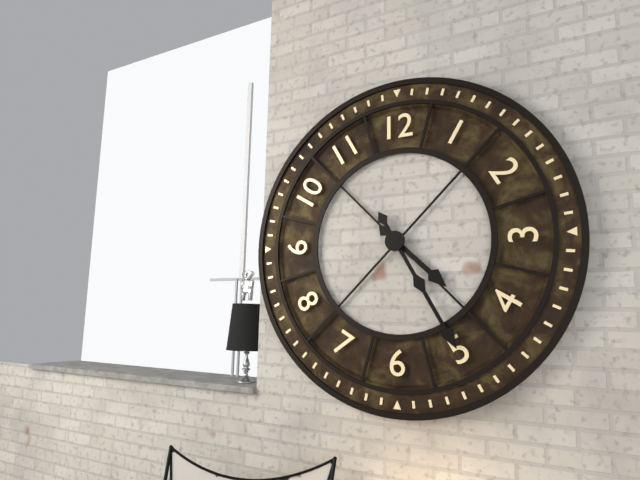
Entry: 4,25
